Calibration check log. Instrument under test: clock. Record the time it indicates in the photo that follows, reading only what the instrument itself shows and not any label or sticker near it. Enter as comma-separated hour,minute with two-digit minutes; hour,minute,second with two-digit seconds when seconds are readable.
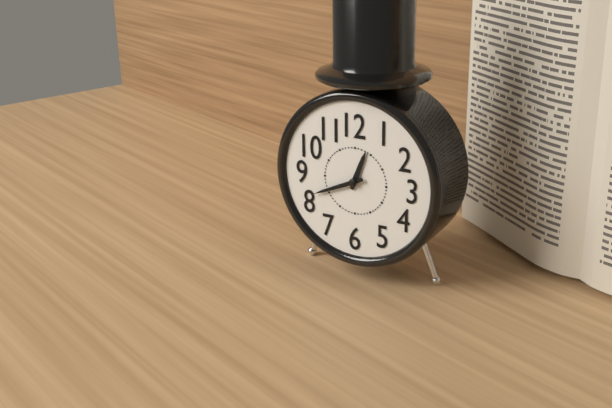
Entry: 12,41
